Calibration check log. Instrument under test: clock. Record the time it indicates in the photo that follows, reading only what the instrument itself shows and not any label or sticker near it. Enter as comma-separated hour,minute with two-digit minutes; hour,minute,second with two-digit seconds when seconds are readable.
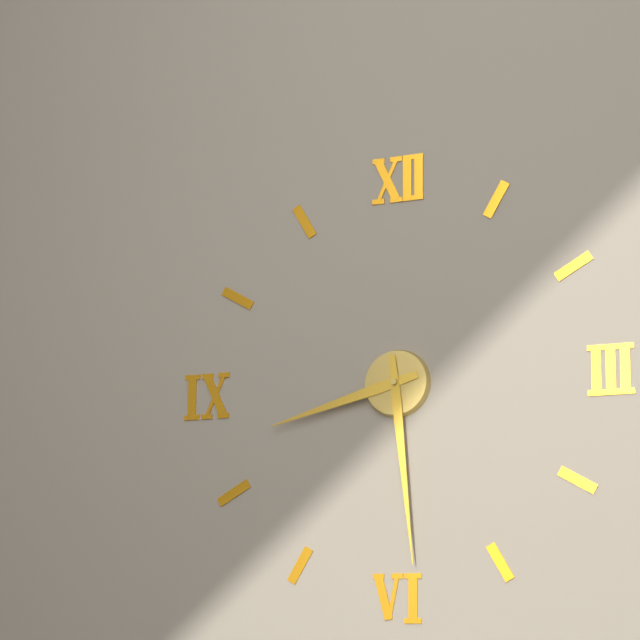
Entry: 8,29
